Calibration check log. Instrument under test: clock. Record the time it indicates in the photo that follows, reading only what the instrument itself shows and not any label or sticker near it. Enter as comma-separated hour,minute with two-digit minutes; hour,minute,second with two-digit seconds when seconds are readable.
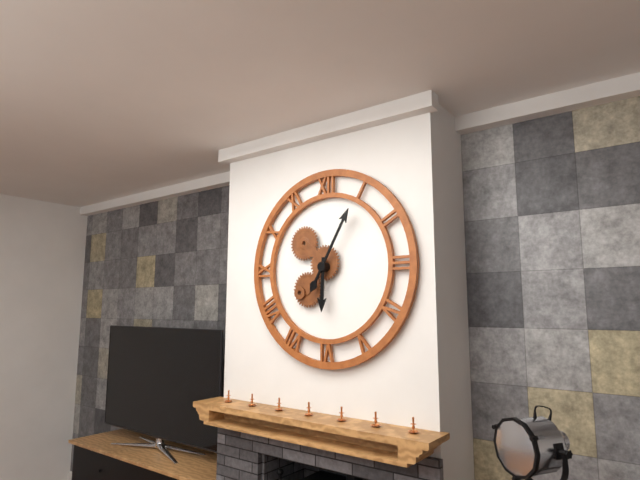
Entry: 6,05
